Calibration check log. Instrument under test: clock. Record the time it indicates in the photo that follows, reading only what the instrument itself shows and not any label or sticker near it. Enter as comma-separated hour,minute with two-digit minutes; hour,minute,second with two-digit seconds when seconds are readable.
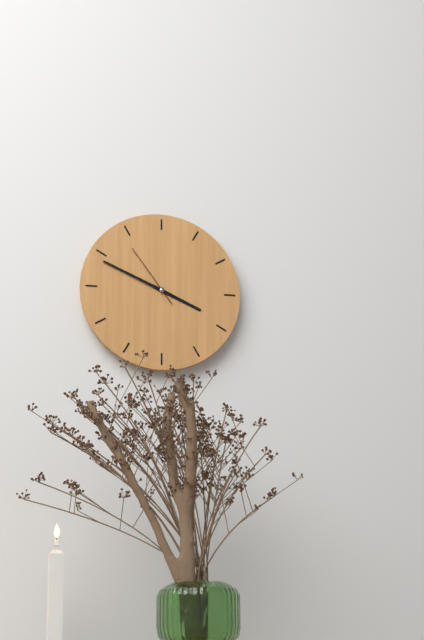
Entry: 3,49,54
